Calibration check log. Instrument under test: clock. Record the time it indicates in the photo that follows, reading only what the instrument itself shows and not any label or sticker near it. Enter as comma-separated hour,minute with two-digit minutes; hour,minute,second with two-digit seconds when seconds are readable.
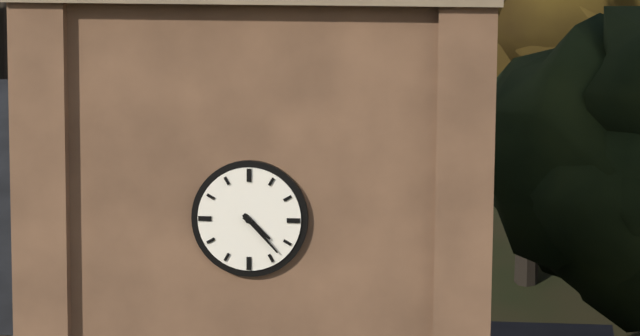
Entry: 4,23
